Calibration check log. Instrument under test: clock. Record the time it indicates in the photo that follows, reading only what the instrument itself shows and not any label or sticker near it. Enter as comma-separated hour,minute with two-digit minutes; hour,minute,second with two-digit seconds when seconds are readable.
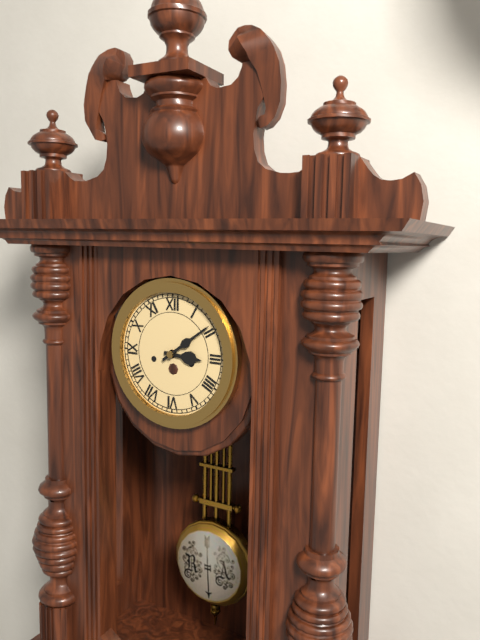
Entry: 3,09
